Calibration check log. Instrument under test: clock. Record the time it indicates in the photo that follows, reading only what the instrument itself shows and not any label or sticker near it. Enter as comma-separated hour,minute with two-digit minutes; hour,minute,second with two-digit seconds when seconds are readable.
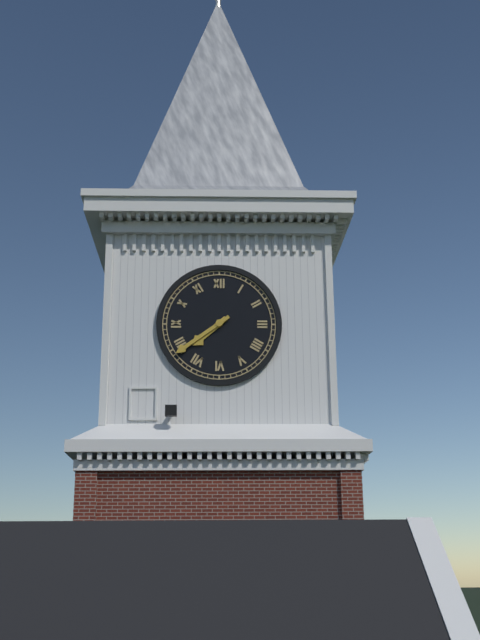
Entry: 7,39
